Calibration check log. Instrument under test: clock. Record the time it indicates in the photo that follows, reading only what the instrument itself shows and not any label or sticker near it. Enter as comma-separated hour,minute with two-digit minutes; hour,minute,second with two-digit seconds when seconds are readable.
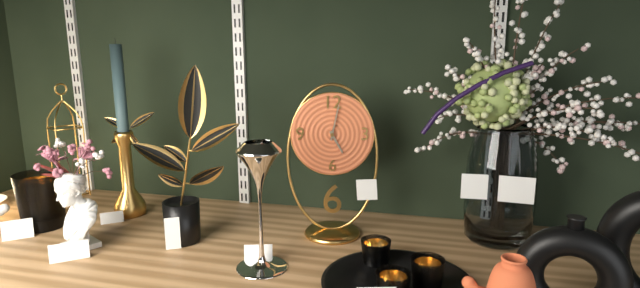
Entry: 5,02
